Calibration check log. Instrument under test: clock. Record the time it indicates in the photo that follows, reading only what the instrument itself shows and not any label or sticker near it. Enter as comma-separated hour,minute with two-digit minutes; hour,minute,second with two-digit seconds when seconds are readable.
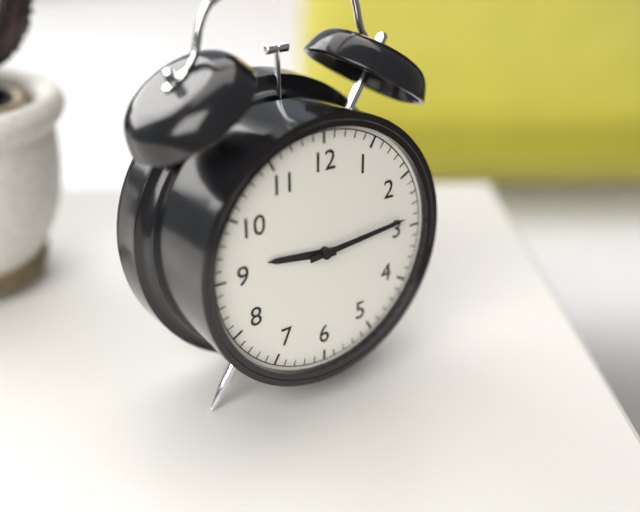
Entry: 9,14
